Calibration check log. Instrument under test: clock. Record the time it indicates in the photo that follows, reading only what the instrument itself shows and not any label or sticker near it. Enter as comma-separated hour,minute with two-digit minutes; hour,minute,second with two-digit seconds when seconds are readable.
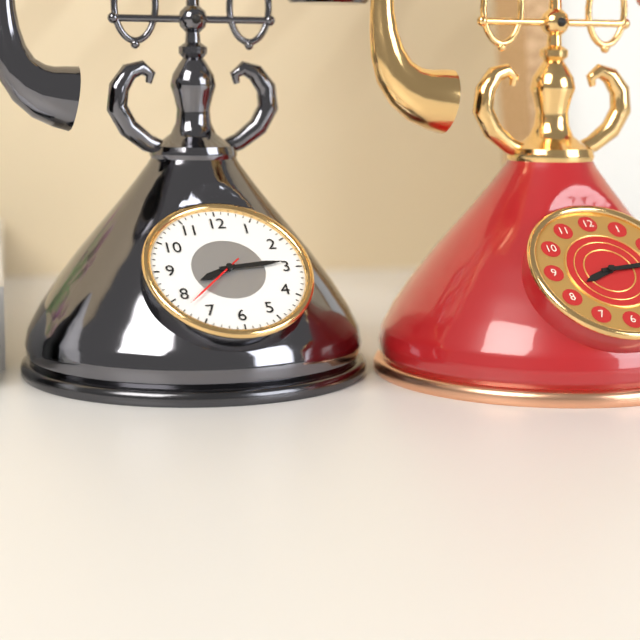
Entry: 8,14,38
